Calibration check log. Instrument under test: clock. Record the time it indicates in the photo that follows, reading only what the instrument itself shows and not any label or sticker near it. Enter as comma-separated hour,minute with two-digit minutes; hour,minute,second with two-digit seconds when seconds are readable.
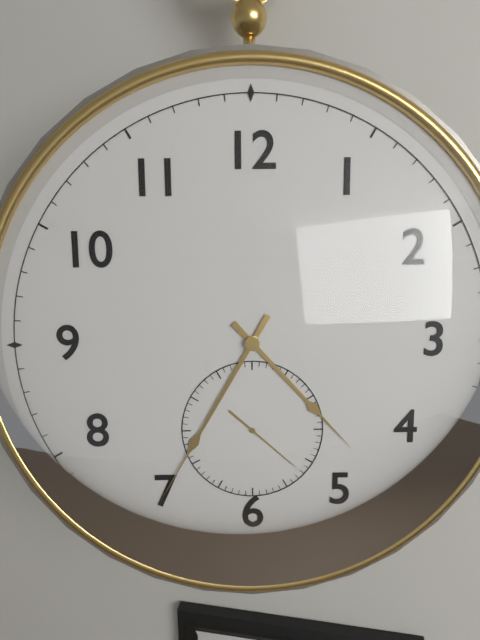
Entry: 4,35,22
